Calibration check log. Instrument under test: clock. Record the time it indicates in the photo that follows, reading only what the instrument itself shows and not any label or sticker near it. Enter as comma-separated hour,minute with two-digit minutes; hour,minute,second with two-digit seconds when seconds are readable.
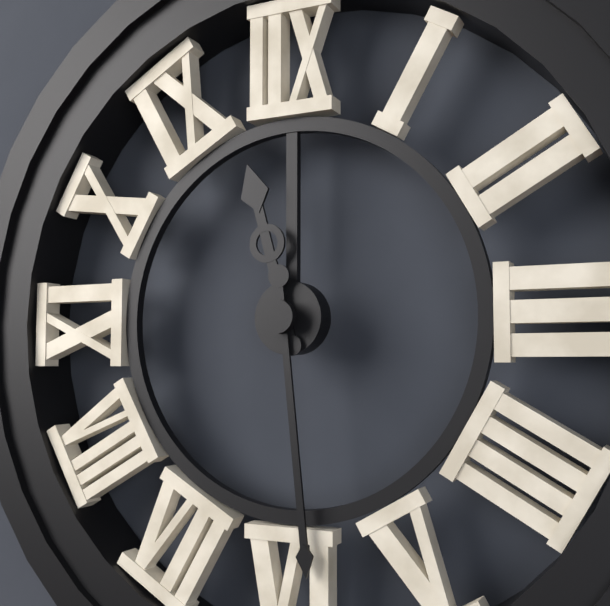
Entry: 11,29
